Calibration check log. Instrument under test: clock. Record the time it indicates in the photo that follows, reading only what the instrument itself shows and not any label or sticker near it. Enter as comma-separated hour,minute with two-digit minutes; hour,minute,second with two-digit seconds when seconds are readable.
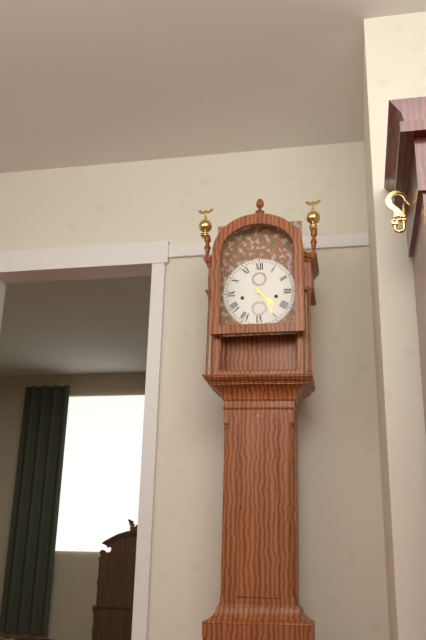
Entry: 4,25
